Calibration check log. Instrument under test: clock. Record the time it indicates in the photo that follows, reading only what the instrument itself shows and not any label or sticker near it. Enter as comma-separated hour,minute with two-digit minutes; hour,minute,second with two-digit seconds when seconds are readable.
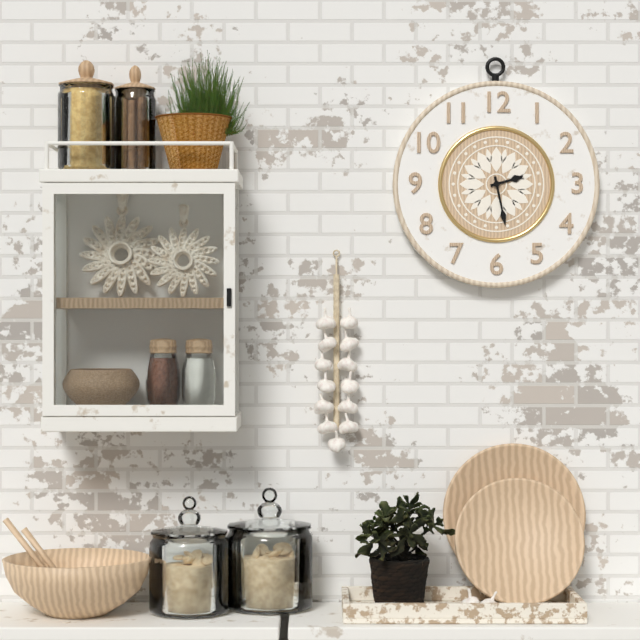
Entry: 2,28
